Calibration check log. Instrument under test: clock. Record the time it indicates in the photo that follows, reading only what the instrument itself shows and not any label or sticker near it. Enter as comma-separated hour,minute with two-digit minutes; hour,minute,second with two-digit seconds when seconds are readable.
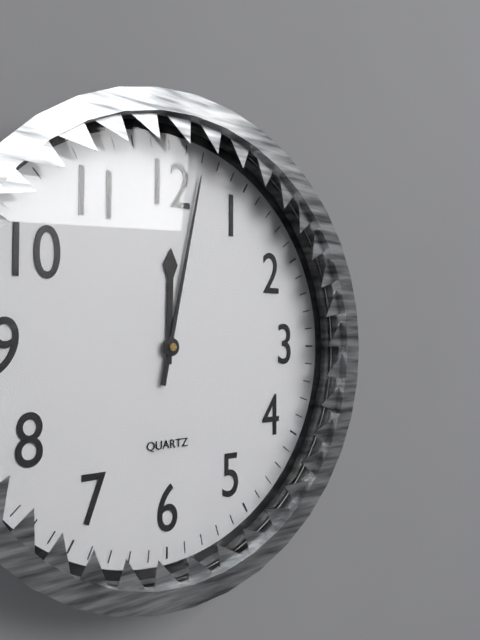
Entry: 12,02
